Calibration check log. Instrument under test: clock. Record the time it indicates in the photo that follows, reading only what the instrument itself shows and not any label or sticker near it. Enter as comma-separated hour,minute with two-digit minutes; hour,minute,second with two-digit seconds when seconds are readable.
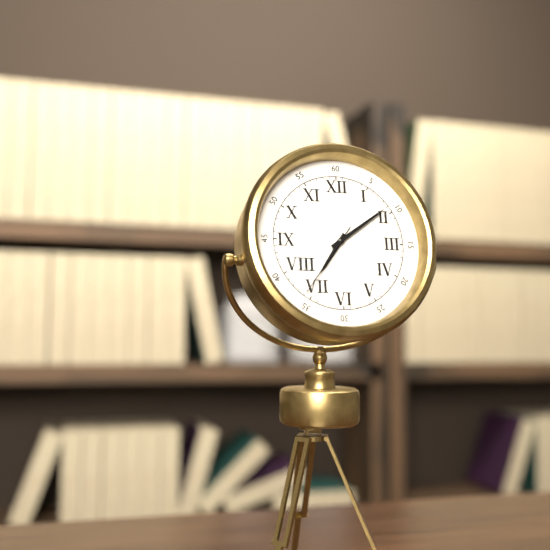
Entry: 7,09,36
